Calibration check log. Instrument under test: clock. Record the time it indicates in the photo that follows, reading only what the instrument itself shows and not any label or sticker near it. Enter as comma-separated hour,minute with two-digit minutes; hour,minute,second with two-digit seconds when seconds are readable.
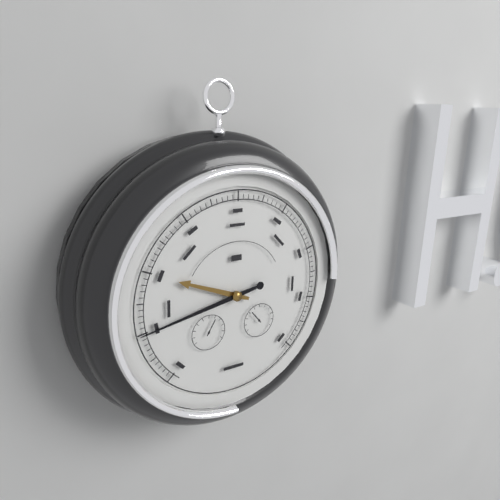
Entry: 9,43
